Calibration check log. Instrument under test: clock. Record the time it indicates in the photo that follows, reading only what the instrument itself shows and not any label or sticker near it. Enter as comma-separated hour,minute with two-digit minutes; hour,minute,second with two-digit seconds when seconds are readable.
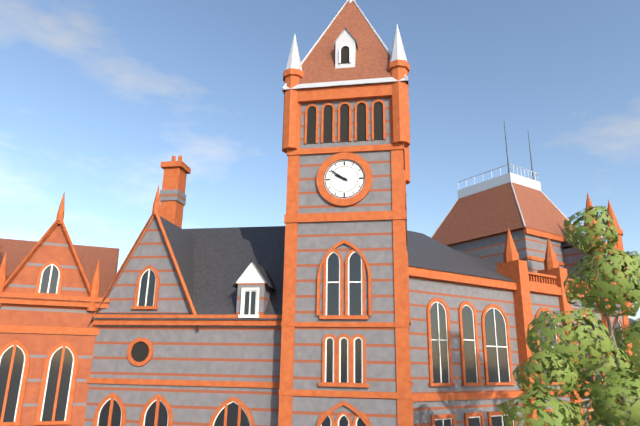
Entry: 9,51
